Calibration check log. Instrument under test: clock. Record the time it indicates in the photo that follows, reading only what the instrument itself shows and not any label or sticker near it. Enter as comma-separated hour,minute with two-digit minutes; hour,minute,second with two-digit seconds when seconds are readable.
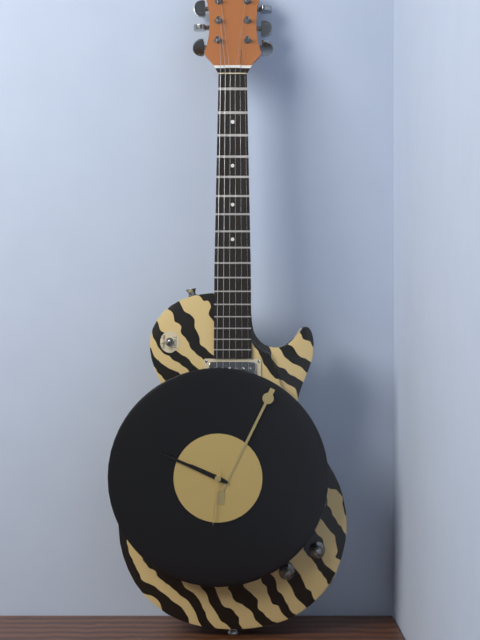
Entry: 9,49,31
